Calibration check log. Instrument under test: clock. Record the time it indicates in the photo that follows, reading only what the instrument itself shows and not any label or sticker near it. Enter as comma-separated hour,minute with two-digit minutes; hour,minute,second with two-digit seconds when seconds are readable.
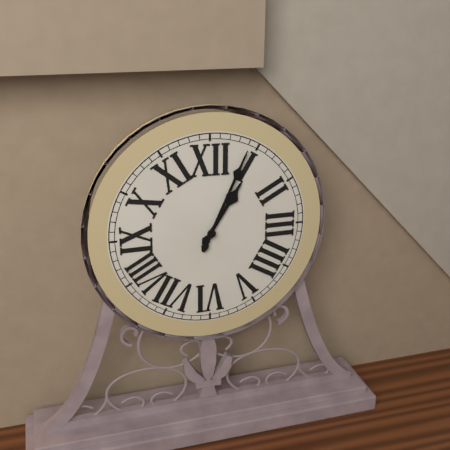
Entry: 1,04
